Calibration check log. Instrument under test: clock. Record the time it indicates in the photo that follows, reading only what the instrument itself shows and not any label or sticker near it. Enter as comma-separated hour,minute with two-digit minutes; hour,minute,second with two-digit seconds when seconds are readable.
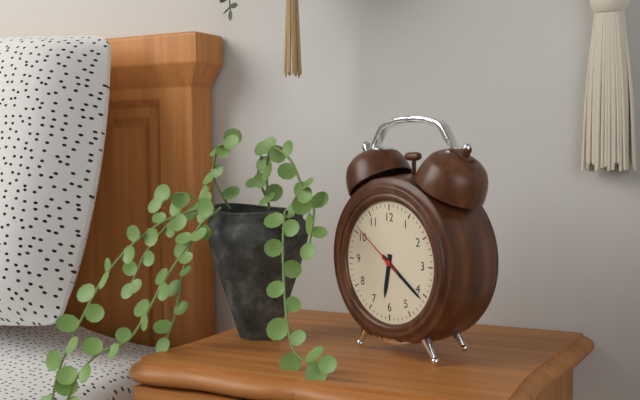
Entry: 6,21,51
